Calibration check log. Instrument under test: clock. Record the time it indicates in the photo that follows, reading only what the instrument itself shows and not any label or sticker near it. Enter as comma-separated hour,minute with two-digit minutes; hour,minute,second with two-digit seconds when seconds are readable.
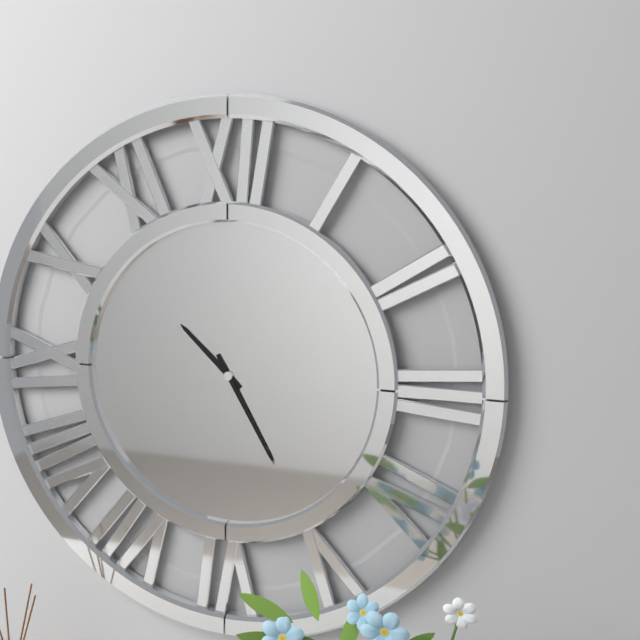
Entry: 10,25
